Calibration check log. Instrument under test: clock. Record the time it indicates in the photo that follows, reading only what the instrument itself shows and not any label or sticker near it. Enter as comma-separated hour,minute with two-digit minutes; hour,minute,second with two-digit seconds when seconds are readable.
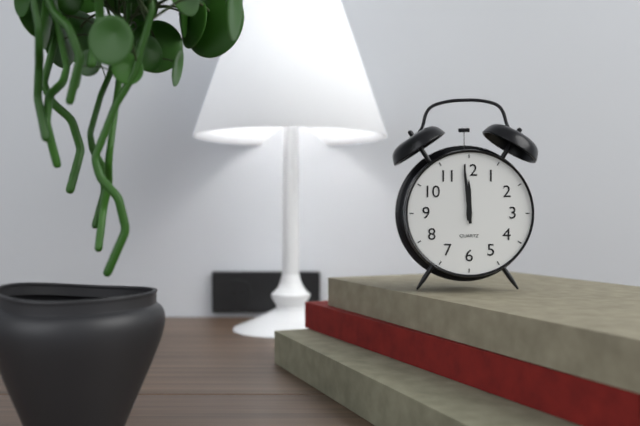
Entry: 11,59
